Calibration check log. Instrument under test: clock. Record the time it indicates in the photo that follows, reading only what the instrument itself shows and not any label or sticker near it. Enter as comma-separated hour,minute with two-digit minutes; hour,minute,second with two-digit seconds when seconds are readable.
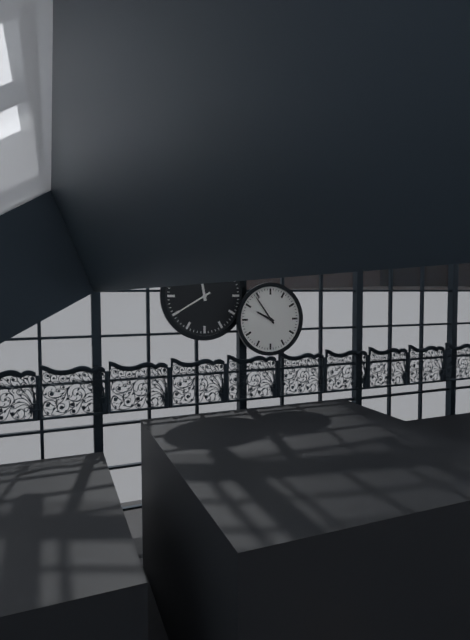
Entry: 9,54
